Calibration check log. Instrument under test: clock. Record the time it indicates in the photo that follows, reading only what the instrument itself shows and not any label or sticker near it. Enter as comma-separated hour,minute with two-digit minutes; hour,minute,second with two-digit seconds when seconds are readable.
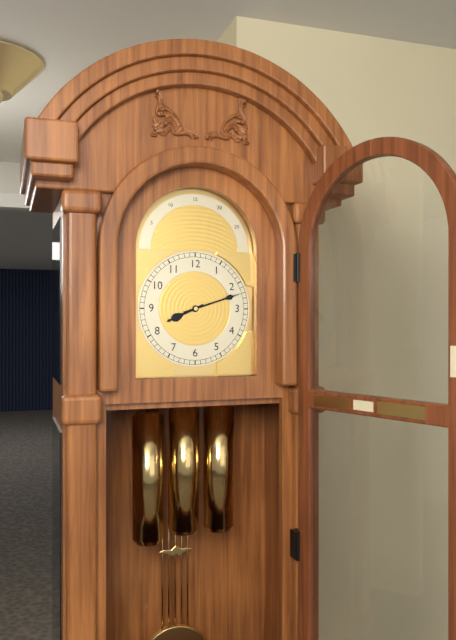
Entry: 8,12
